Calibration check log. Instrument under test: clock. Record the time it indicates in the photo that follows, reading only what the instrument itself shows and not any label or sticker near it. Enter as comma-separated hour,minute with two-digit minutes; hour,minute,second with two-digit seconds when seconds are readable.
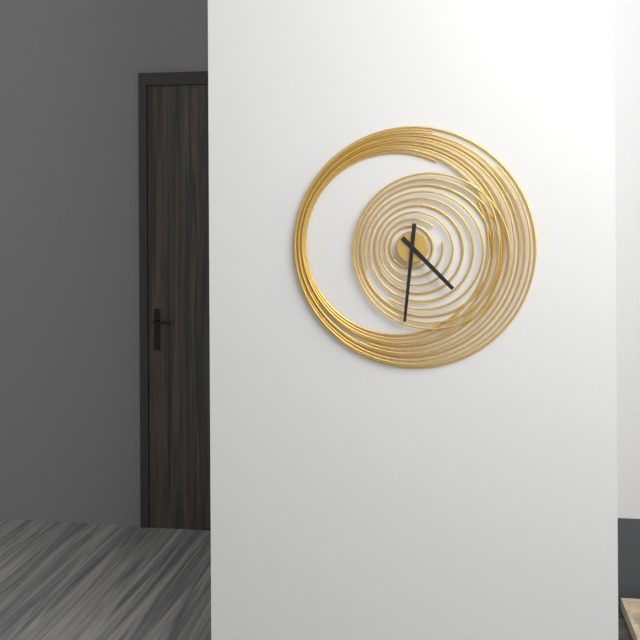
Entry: 4,31
